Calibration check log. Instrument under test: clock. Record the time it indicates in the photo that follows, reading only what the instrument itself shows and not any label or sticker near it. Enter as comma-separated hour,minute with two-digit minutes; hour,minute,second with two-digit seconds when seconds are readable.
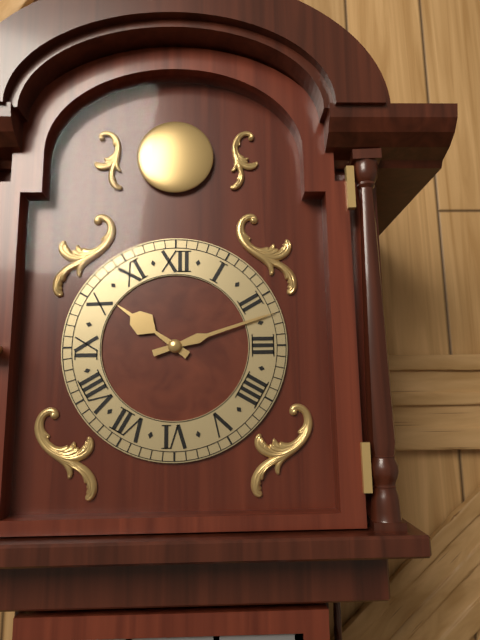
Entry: 10,12
